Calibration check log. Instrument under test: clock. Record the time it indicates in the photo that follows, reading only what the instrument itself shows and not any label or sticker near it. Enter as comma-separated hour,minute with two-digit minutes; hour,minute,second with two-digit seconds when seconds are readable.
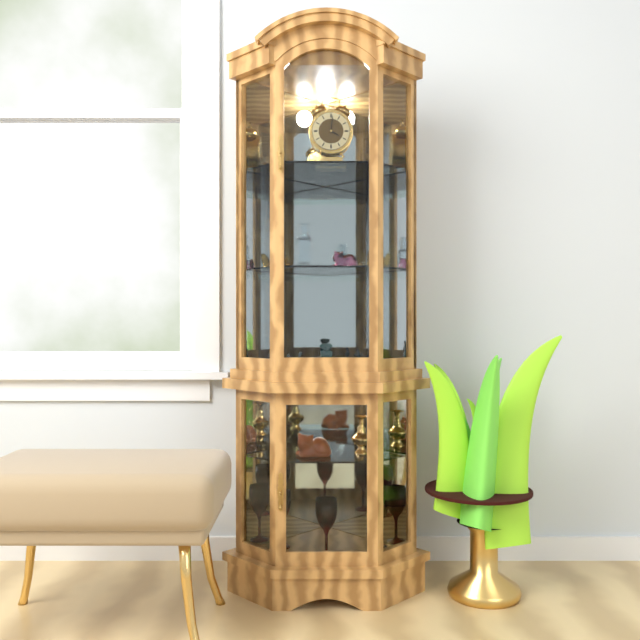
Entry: 4,01
